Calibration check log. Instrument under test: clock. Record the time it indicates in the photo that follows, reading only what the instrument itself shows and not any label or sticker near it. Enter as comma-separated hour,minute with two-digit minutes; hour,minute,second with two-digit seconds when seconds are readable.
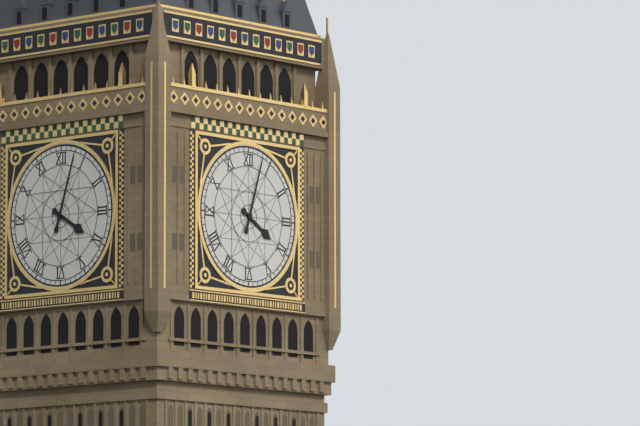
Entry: 4,03
